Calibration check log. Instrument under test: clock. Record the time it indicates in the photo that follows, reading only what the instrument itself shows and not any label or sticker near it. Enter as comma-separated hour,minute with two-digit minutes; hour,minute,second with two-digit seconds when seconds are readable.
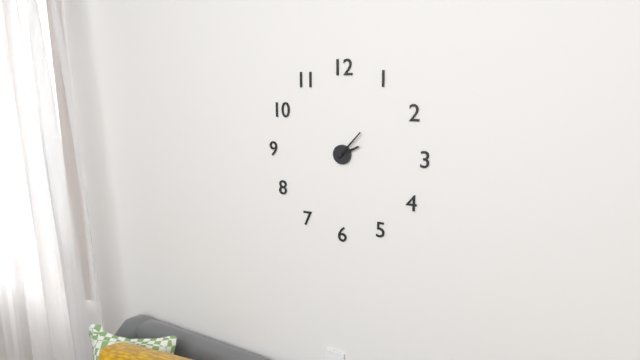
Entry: 2,07
